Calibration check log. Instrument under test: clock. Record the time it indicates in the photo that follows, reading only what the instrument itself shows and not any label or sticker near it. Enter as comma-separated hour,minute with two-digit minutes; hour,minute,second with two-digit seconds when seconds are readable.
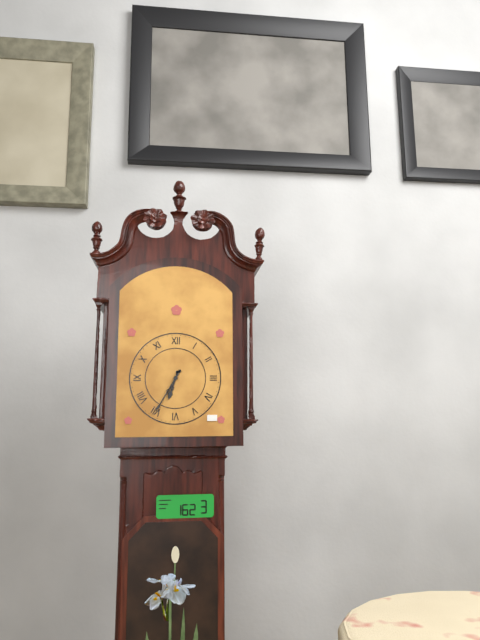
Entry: 6,35
